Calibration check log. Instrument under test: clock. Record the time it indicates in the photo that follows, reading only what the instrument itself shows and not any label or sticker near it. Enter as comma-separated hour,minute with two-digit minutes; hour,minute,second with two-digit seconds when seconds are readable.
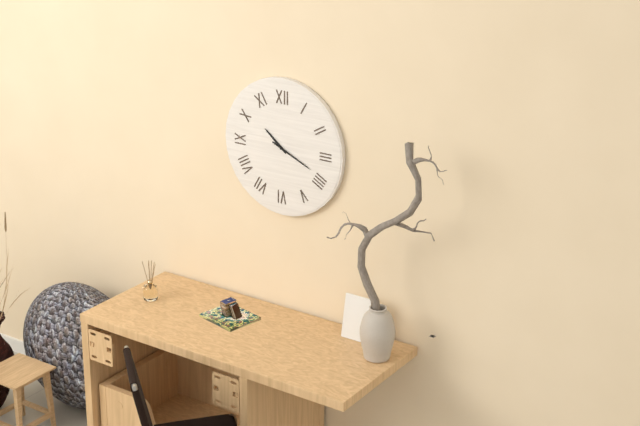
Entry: 10,19
